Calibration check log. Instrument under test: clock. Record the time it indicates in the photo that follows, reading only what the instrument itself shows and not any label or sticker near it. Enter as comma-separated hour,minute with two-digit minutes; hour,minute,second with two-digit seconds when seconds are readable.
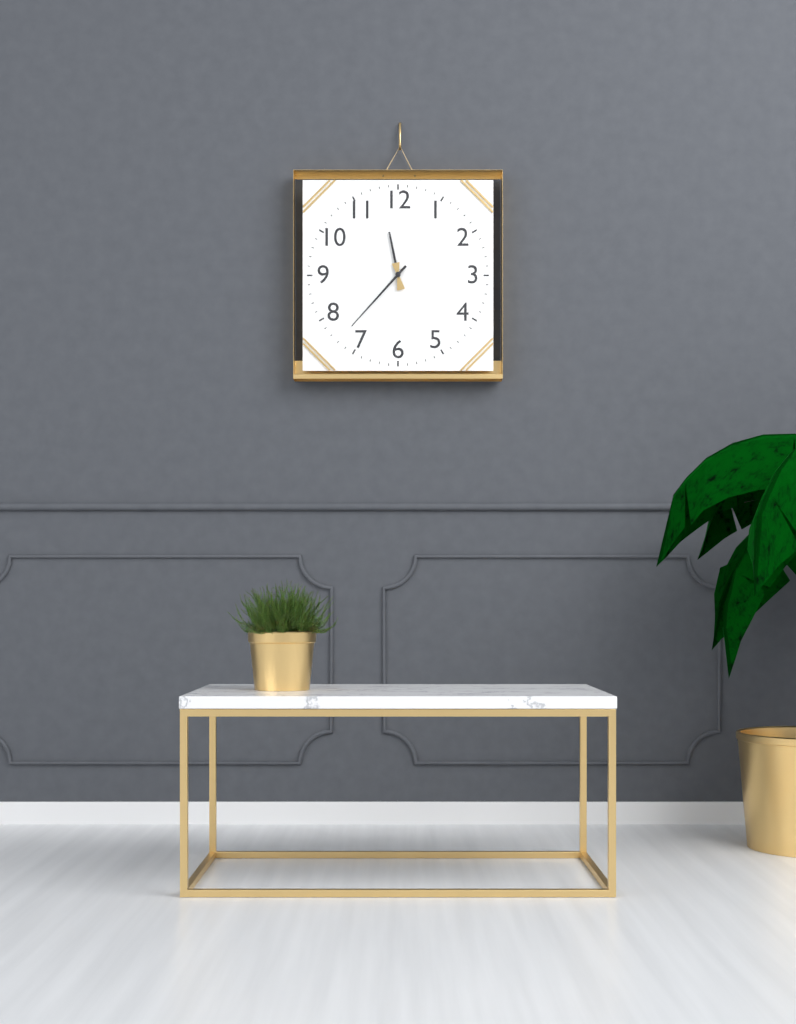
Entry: 11,37
